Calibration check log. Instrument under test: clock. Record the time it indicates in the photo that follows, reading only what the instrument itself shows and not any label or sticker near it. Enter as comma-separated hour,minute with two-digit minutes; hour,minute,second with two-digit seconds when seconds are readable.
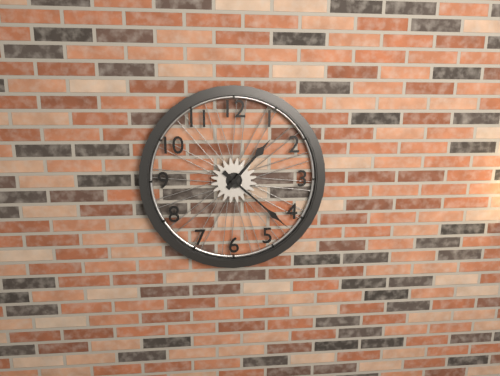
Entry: 1,22
